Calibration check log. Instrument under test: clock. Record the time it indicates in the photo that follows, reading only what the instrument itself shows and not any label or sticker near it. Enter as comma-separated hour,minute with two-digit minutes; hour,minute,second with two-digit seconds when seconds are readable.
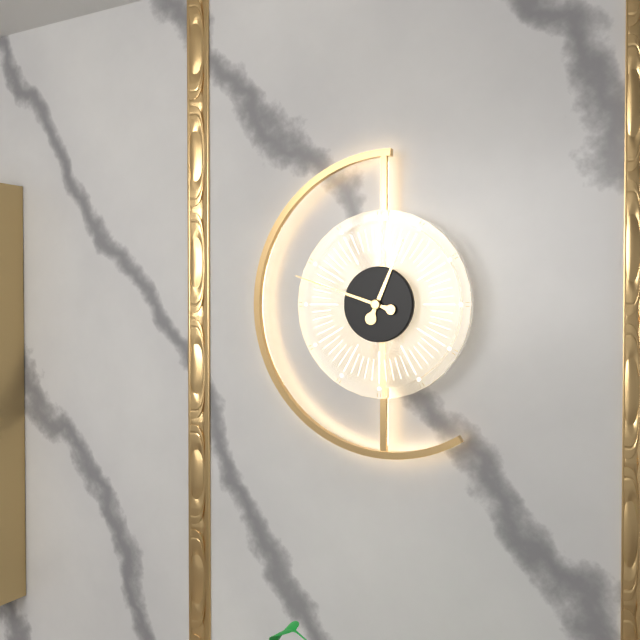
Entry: 12,48
